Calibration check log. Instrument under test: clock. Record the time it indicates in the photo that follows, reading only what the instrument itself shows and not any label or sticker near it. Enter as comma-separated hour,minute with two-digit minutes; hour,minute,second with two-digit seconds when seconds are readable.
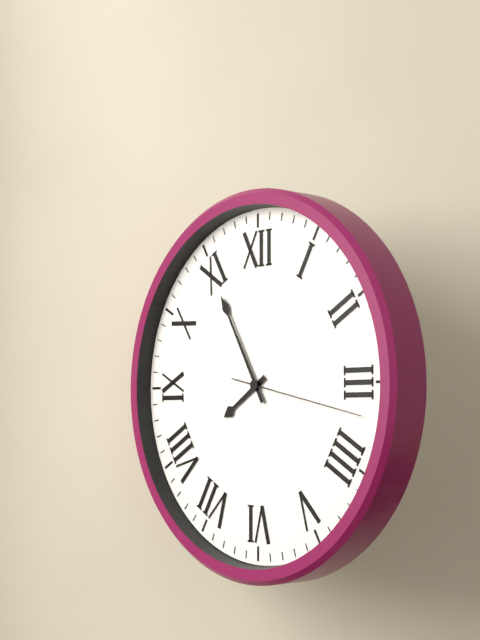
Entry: 7,55,17
